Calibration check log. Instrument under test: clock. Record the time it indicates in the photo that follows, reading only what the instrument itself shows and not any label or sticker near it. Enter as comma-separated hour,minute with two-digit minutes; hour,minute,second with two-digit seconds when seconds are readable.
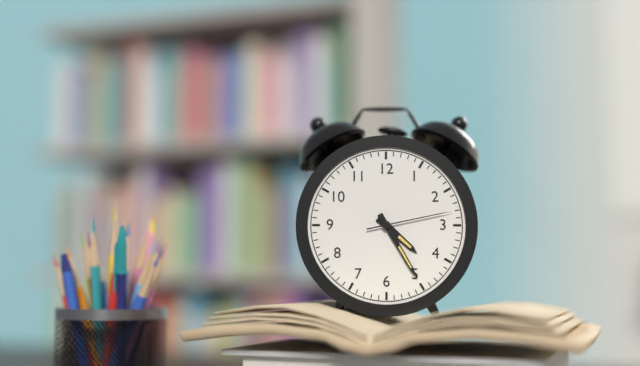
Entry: 4,25,13
